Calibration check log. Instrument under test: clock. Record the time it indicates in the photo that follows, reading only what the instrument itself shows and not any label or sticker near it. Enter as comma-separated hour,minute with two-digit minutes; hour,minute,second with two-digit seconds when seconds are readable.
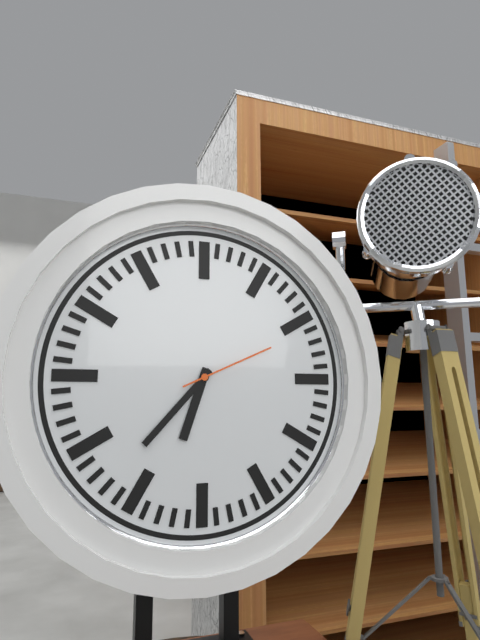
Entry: 6,37,11
